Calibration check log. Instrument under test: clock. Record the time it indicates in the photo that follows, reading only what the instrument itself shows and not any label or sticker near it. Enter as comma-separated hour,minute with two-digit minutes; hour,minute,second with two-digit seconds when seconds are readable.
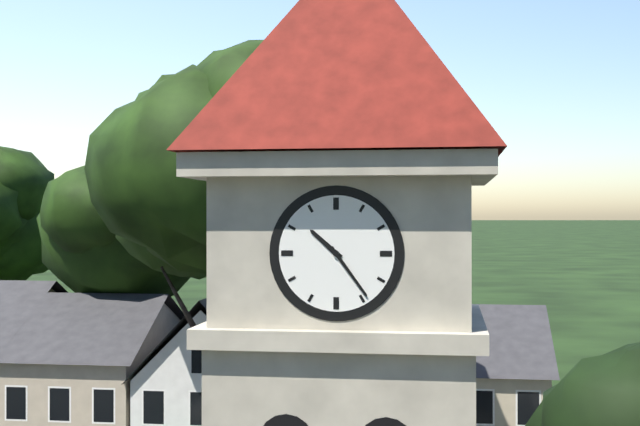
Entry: 10,24
